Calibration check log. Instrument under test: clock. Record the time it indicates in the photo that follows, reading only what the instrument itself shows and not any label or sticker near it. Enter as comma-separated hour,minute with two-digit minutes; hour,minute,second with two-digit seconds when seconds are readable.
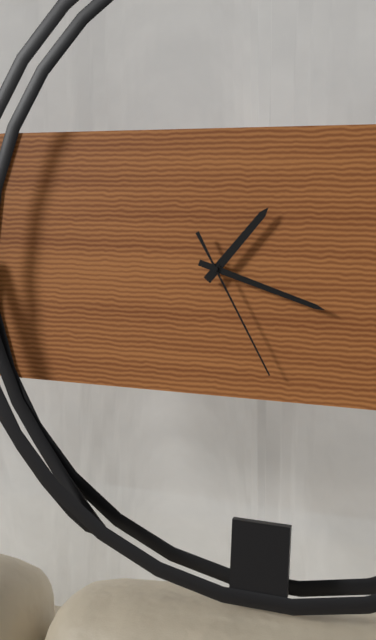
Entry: 1,18,25
